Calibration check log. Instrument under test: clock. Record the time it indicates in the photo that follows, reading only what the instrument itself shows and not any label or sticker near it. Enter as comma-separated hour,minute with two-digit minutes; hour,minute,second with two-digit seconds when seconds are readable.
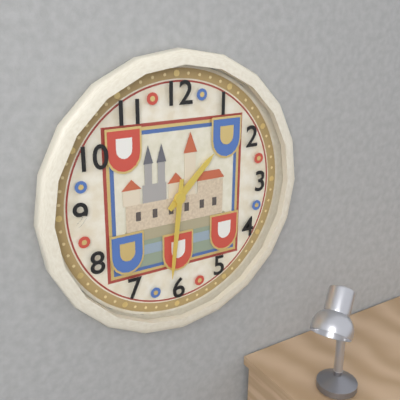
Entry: 1,31
